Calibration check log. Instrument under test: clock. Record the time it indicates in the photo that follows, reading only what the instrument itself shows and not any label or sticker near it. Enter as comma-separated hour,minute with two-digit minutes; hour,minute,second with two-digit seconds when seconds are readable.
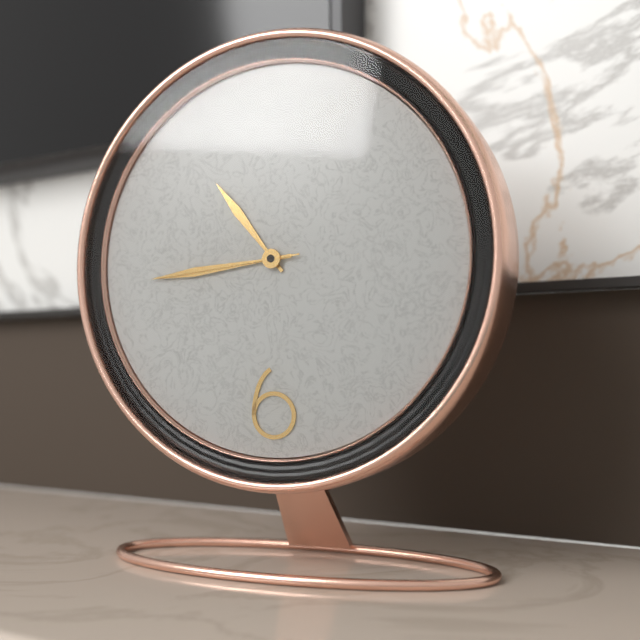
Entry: 10,44,44
